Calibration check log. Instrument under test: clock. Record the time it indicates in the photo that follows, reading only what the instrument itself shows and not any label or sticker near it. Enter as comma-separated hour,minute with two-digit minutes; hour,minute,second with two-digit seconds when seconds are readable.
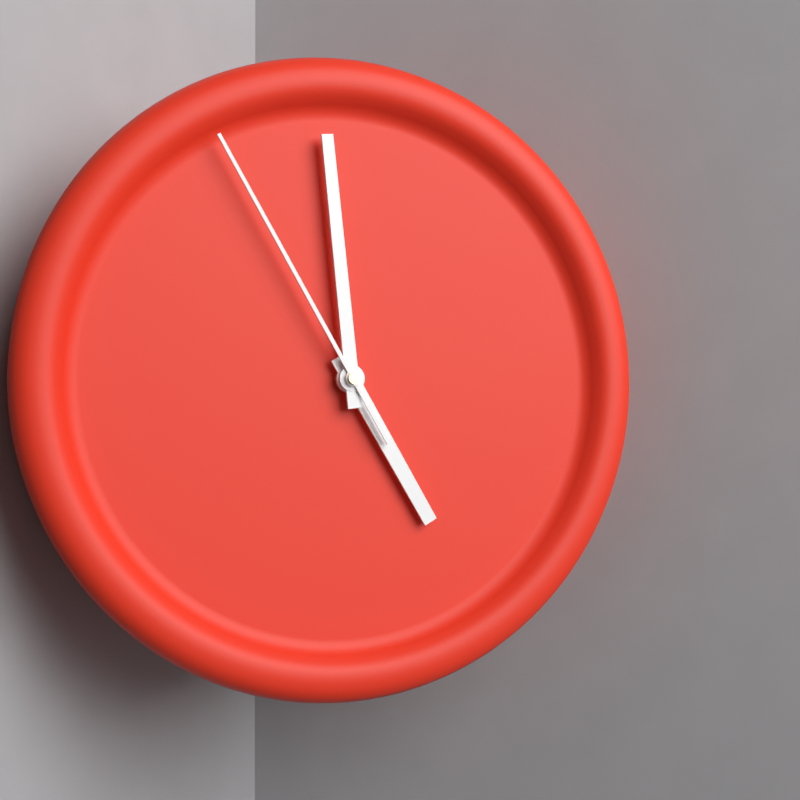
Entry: 4,59,55
